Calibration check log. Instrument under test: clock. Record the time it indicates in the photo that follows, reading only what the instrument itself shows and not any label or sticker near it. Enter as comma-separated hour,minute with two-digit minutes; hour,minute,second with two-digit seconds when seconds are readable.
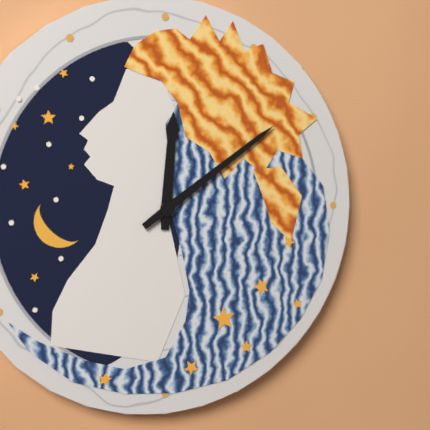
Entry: 12,09
